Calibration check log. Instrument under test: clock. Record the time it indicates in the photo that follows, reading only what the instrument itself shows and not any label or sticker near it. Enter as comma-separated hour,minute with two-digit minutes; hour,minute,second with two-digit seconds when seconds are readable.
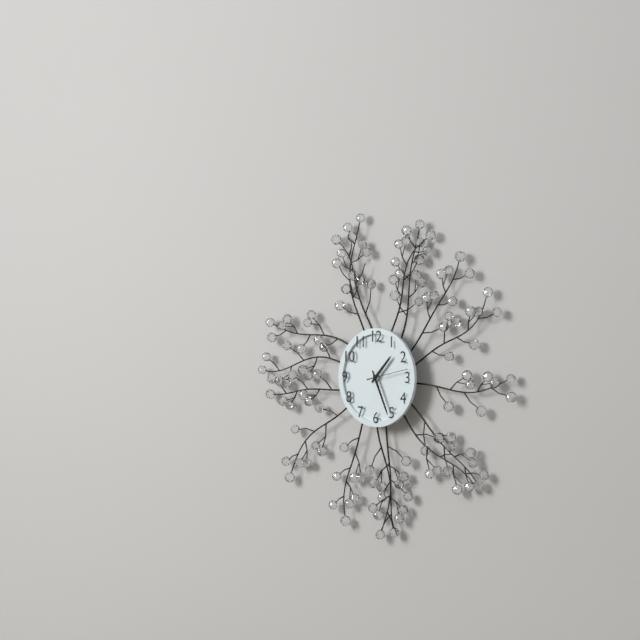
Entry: 1,26
